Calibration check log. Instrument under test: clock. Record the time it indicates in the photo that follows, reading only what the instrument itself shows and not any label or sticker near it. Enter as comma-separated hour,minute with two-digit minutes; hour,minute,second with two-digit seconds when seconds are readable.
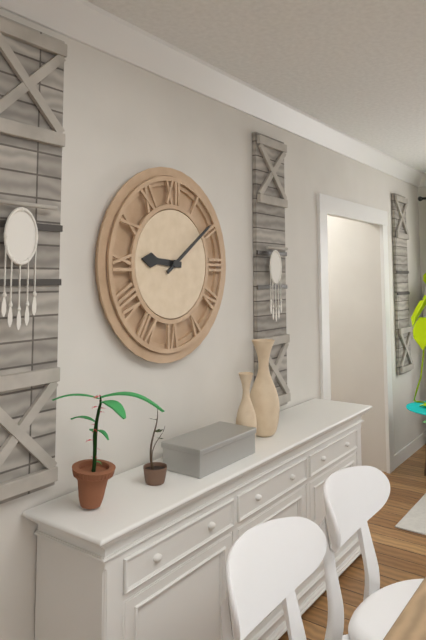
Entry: 9,09
